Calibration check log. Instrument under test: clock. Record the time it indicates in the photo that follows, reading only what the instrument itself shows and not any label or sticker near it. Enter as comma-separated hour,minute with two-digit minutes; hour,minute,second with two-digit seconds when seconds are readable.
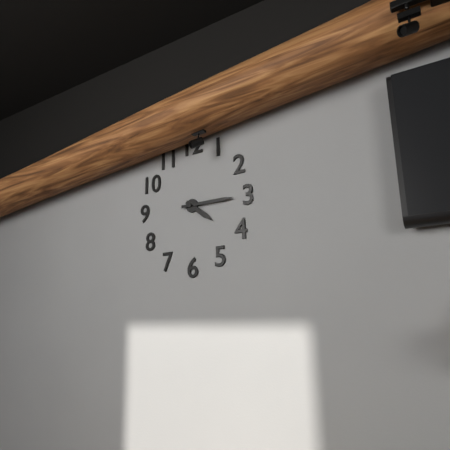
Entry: 4,15
